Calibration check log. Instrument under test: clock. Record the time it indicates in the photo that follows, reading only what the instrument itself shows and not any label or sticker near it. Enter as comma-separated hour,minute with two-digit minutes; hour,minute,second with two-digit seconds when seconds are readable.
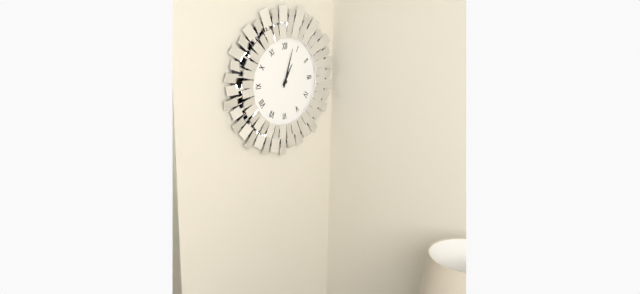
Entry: 1,03
